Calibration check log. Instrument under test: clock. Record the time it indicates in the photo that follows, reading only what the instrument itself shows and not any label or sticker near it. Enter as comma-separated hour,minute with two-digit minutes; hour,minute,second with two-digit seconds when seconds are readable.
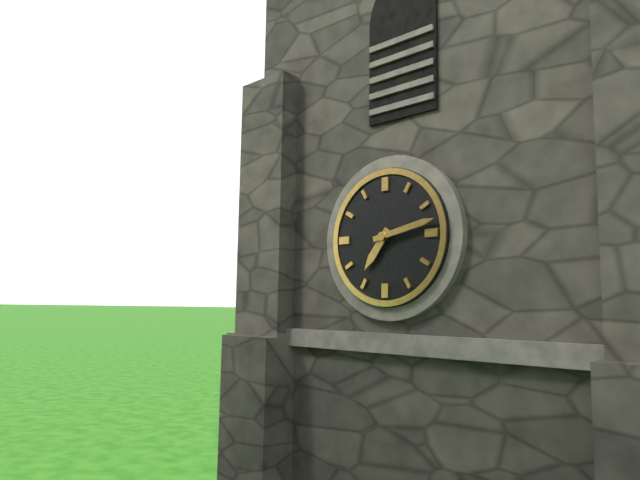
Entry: 7,13
